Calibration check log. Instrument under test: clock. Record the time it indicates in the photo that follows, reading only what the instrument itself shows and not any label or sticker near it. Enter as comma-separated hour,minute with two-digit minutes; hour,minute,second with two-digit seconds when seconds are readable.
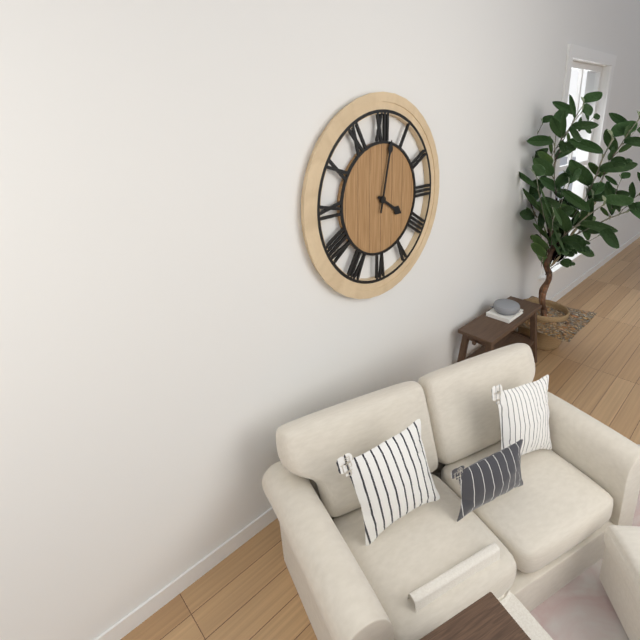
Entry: 4,02
